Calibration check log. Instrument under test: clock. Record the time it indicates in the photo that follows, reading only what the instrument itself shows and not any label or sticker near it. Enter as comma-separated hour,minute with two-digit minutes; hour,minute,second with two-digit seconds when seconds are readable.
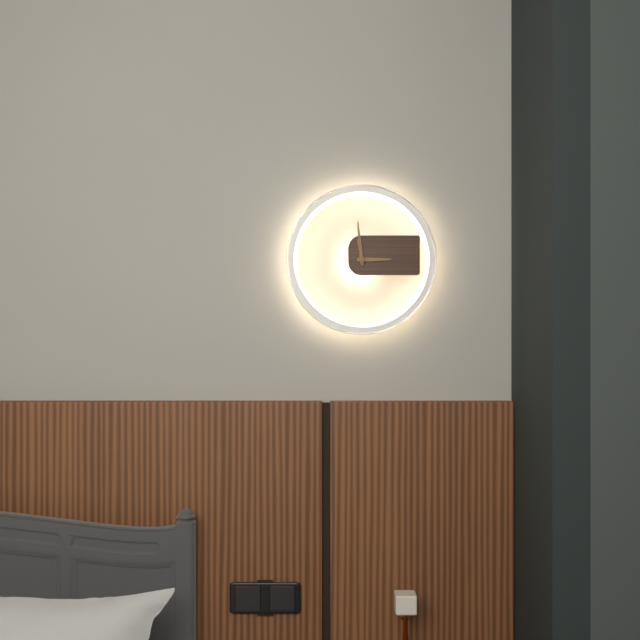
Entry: 2,59
